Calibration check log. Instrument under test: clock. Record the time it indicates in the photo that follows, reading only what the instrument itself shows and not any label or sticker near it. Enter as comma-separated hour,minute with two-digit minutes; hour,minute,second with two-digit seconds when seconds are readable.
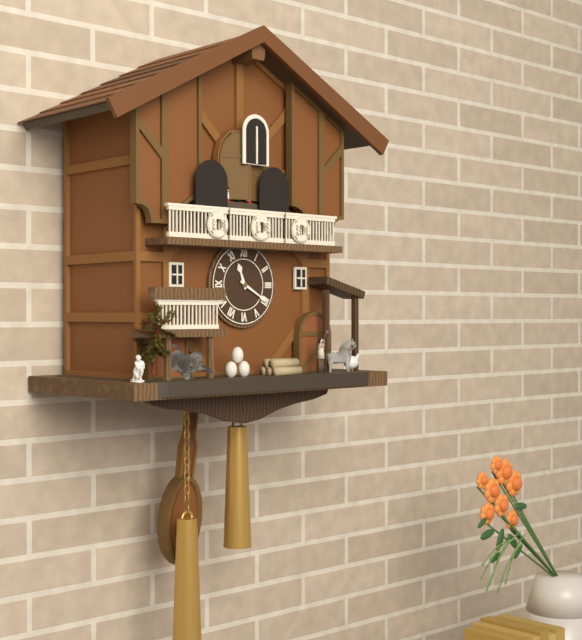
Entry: 11,20
